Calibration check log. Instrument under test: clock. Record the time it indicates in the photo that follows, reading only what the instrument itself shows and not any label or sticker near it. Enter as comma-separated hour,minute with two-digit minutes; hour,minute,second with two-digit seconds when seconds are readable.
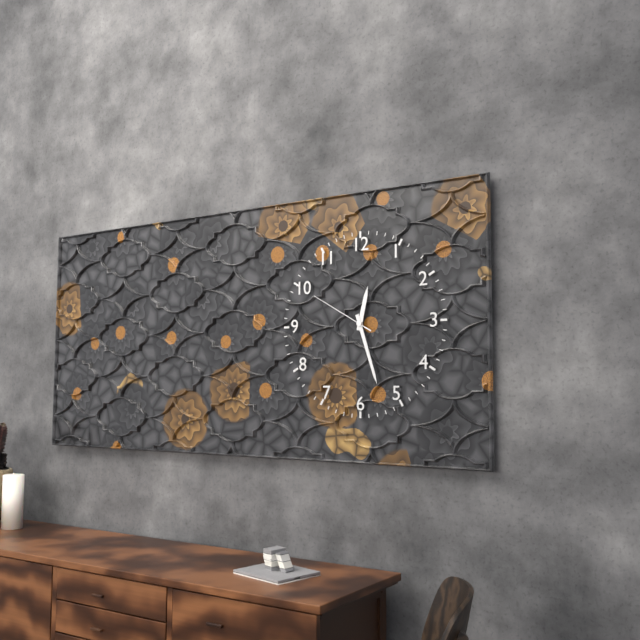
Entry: 12,27,50
